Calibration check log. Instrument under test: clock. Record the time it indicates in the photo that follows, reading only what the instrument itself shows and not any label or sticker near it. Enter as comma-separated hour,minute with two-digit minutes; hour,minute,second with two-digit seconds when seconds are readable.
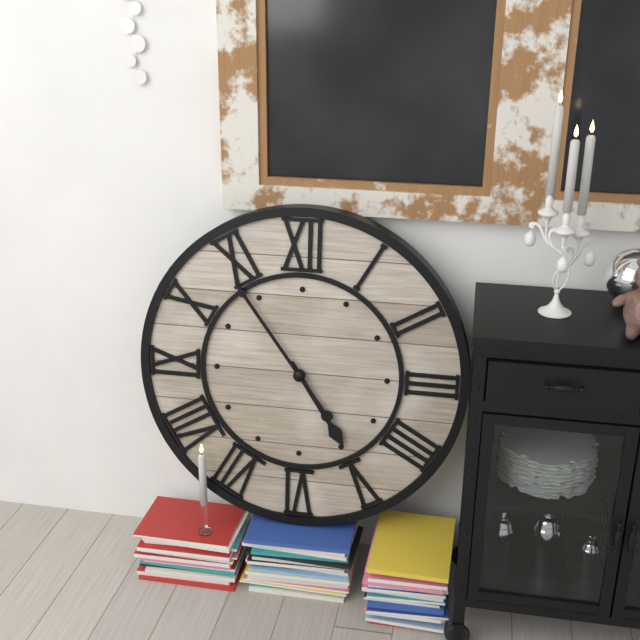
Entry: 4,54
